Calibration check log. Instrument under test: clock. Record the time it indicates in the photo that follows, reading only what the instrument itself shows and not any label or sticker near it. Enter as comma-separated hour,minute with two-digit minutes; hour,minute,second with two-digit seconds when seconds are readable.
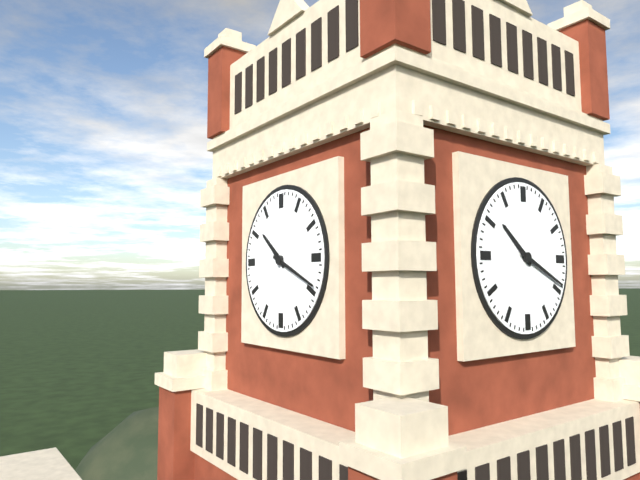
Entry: 10,19
